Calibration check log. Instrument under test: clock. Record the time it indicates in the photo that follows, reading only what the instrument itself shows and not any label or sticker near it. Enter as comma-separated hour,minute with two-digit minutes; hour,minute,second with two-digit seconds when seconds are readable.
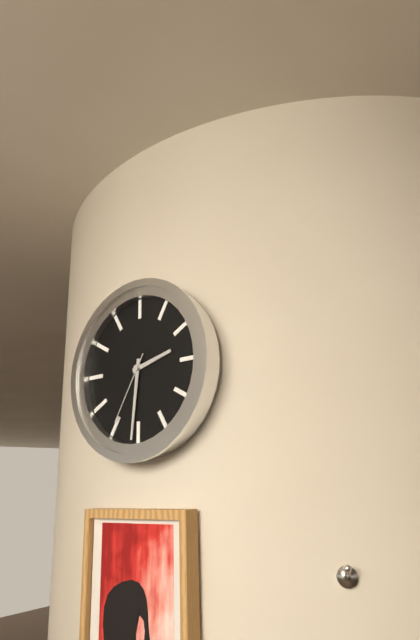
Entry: 2,31,35
